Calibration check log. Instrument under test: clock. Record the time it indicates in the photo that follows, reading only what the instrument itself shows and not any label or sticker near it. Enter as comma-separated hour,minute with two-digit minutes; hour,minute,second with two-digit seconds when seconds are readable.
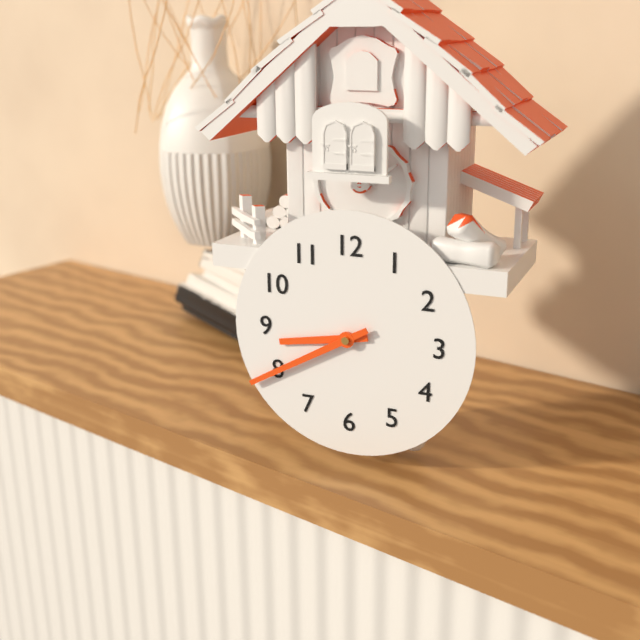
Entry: 8,40
